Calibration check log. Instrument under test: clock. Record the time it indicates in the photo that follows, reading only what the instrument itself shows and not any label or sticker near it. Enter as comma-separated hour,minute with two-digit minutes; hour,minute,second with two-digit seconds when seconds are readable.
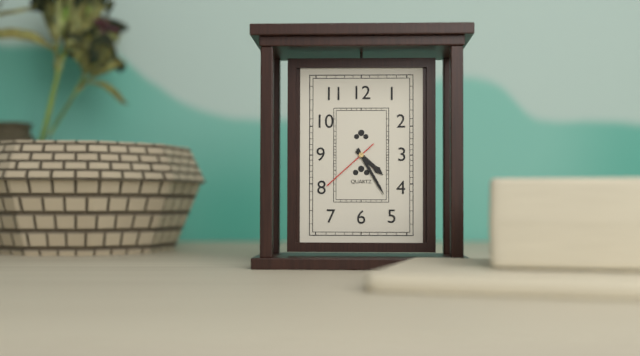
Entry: 4,25,38
